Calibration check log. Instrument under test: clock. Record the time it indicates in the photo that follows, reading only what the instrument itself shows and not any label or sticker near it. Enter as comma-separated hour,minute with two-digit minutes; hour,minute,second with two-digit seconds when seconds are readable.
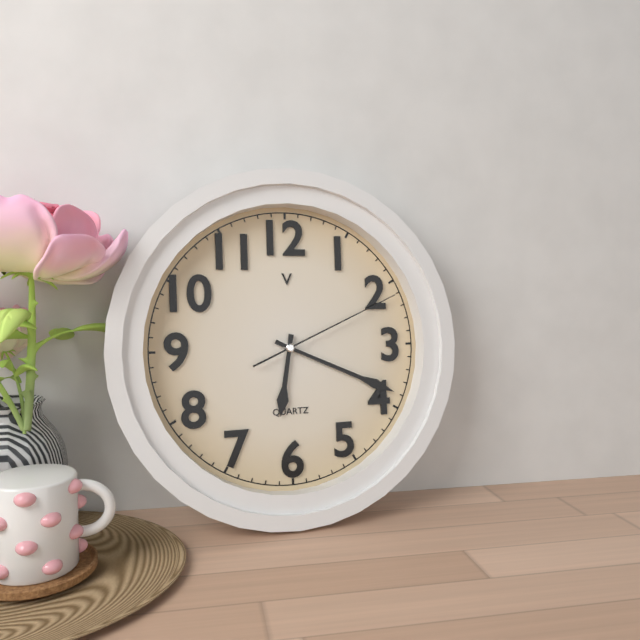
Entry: 6,19,11
